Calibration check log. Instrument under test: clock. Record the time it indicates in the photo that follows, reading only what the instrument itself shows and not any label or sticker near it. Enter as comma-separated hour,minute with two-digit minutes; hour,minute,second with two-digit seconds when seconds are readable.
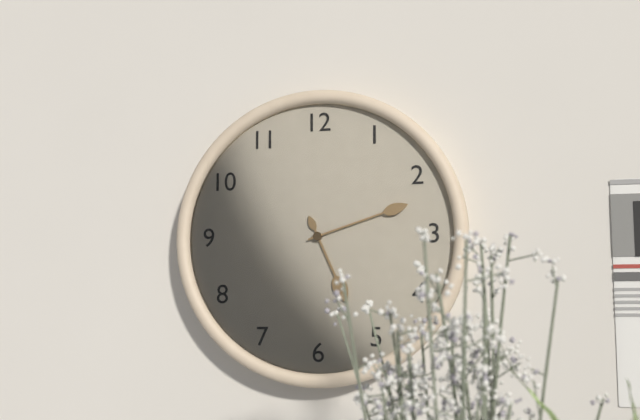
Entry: 5,12
